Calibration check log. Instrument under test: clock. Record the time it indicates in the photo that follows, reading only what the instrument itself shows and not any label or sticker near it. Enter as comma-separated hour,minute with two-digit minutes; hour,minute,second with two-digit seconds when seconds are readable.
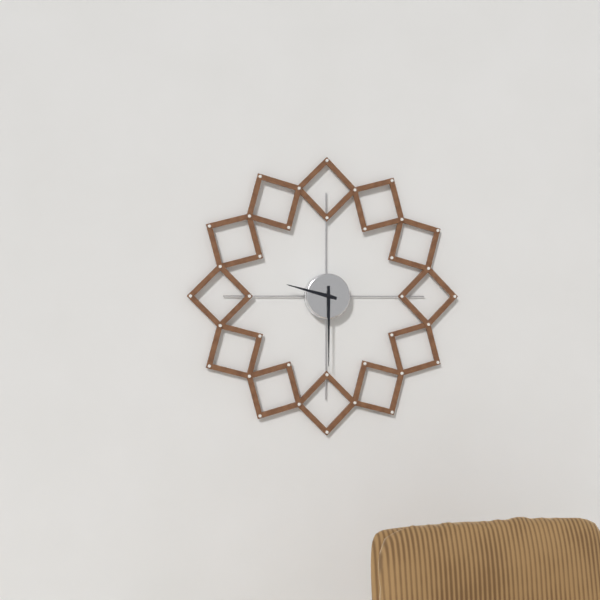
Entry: 9,30
